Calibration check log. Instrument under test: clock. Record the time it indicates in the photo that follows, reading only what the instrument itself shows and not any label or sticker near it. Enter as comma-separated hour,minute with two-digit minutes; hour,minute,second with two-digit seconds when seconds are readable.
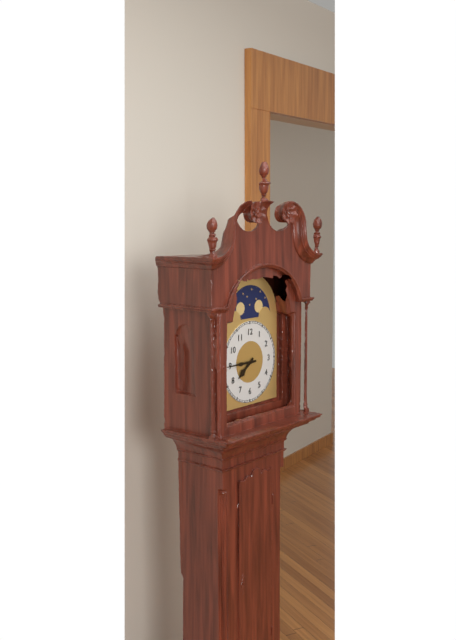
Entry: 7,45
